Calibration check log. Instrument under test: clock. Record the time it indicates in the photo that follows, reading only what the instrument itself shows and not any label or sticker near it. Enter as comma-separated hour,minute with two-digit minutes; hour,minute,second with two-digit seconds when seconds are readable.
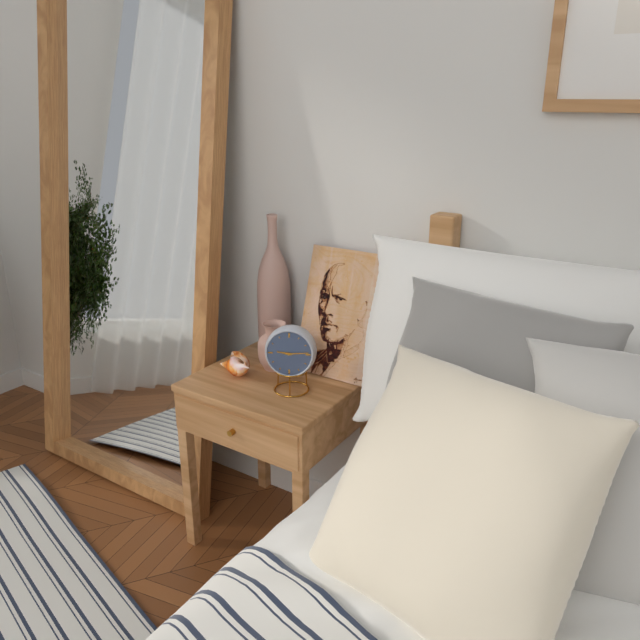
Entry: 9,14
